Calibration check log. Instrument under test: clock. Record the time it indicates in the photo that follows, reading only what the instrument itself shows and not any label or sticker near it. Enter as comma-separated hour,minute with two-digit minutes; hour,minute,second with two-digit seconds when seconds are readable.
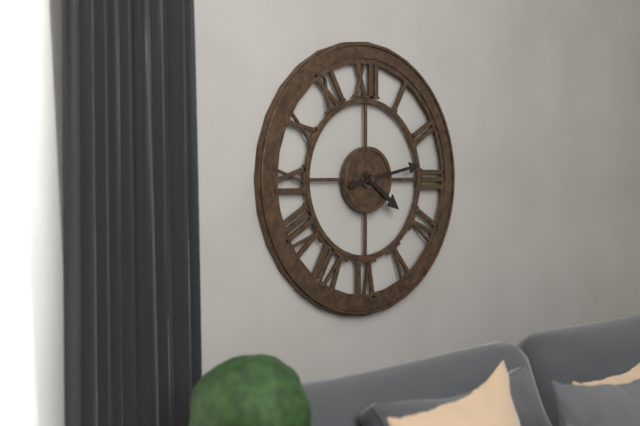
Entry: 4,13
